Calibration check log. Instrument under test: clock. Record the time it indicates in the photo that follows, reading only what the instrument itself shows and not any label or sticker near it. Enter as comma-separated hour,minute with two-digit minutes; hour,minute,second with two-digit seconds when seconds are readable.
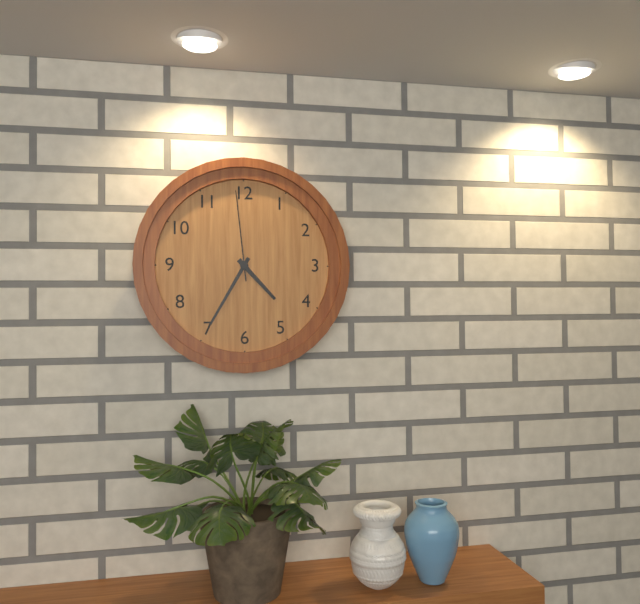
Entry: 4,35,59
